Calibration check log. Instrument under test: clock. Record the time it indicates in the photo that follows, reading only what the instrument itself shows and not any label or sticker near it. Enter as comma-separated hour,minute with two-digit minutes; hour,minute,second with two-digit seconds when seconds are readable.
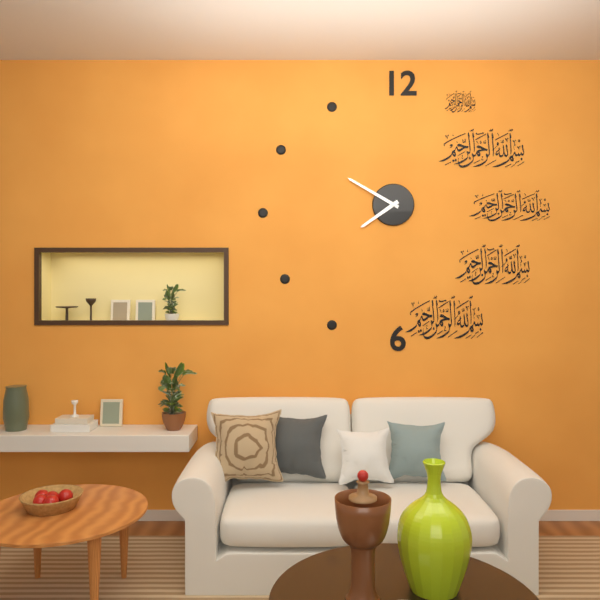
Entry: 7,50
